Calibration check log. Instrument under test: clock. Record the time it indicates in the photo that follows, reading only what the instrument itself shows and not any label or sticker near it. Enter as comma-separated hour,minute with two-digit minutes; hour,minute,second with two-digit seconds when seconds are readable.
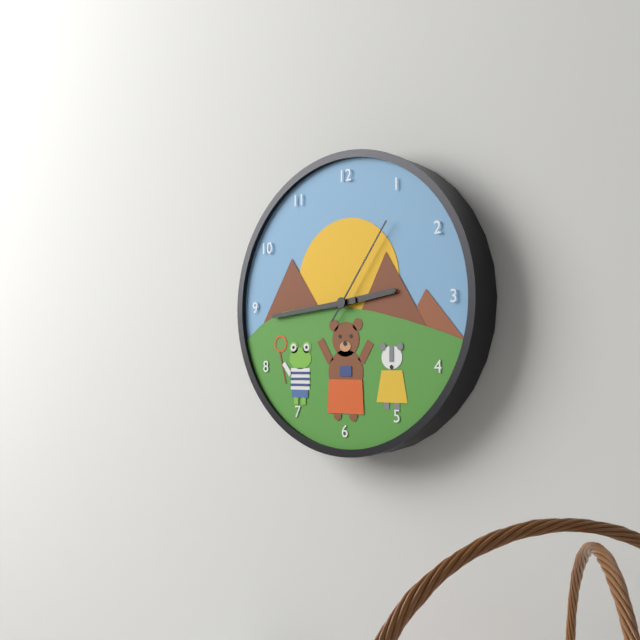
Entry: 2,44,06
